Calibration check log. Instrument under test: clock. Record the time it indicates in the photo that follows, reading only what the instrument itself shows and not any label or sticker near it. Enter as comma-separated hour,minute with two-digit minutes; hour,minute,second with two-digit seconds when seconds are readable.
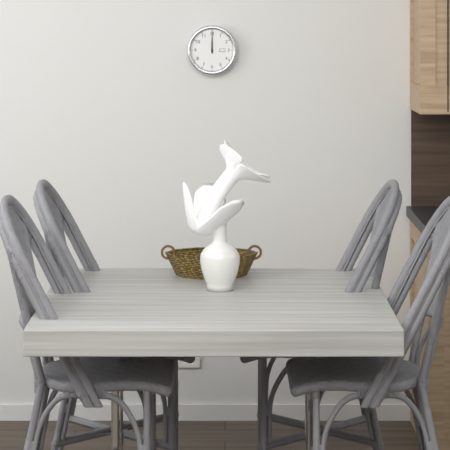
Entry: 12,00
